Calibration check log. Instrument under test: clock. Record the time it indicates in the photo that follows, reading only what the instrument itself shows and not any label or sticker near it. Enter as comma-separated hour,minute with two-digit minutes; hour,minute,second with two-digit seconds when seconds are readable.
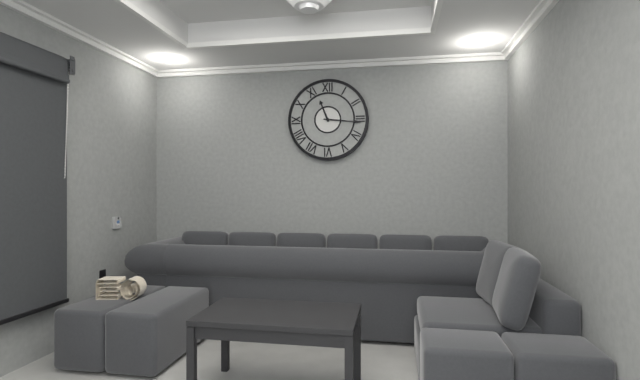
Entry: 11,16
